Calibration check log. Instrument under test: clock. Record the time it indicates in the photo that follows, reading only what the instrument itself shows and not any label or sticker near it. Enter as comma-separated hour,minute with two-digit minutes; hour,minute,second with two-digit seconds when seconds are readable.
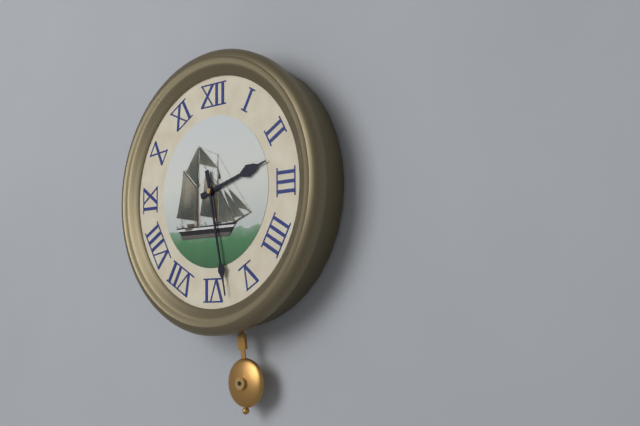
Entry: 2,28
